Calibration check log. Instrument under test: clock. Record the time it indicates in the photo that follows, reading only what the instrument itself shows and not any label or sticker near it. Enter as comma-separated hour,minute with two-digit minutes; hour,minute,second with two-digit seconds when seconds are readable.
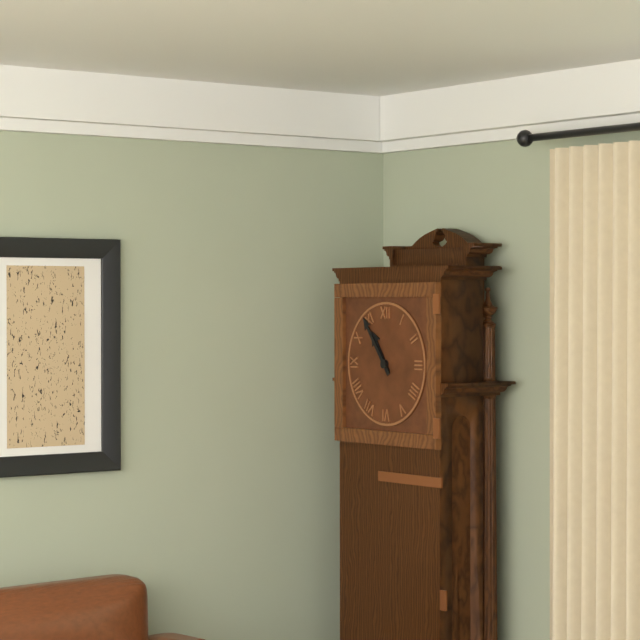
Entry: 10,54
